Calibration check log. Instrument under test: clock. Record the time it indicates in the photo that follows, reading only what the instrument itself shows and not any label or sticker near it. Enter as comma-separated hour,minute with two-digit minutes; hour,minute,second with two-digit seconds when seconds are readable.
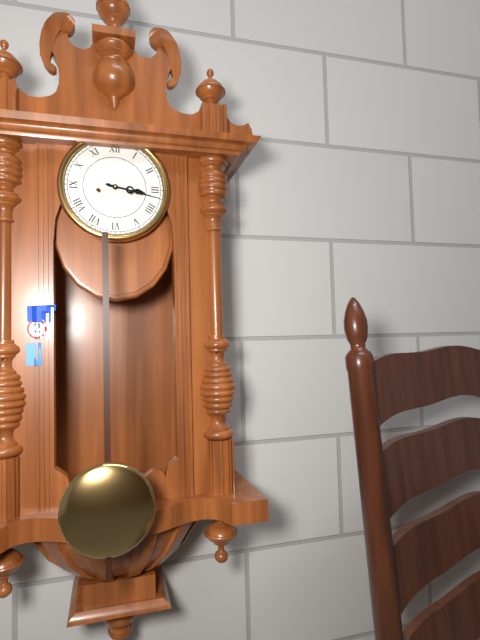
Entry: 3,17
